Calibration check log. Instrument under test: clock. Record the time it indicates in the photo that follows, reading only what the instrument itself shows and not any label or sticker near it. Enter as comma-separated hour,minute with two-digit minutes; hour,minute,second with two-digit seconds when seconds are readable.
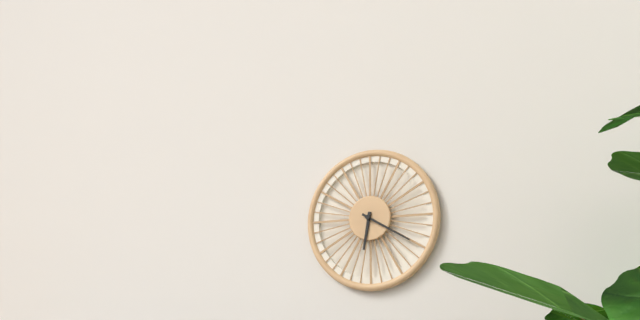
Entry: 6,20
